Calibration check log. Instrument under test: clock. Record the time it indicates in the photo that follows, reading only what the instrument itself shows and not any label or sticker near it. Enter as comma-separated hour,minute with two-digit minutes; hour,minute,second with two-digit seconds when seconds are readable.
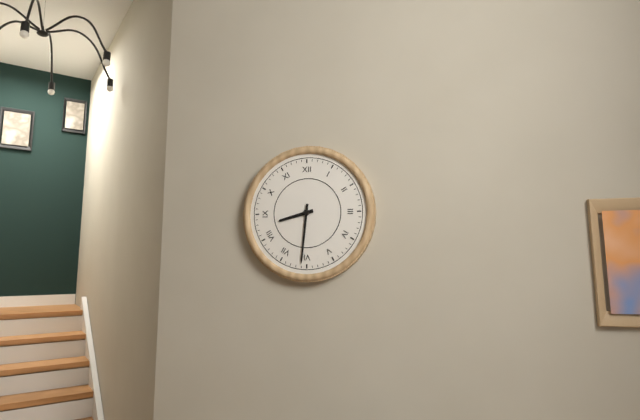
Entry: 8,31
